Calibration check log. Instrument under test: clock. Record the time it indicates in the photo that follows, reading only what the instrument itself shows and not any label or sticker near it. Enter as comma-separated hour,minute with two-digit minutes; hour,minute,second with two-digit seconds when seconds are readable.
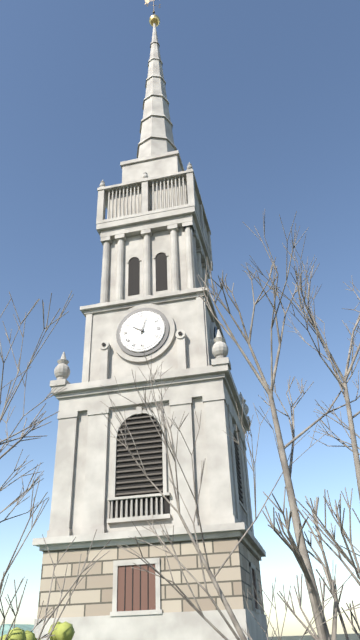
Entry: 10,03
